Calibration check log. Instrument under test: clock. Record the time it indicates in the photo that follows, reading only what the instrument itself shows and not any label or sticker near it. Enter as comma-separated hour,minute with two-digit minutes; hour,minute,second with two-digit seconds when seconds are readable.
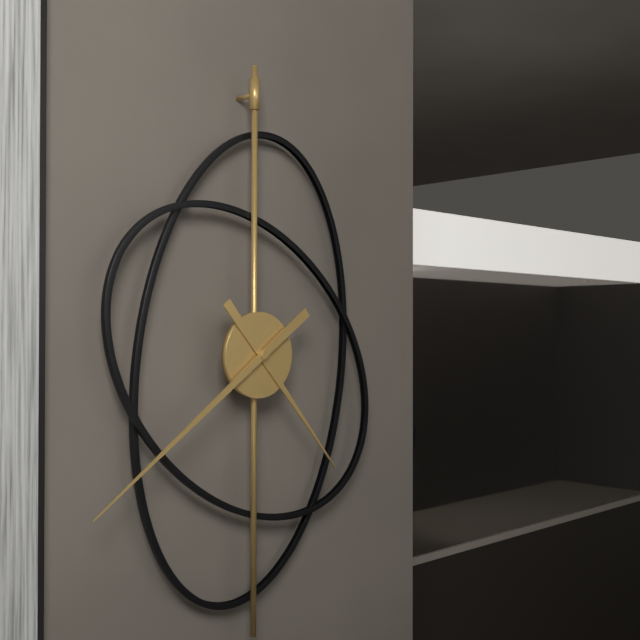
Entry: 4,39
